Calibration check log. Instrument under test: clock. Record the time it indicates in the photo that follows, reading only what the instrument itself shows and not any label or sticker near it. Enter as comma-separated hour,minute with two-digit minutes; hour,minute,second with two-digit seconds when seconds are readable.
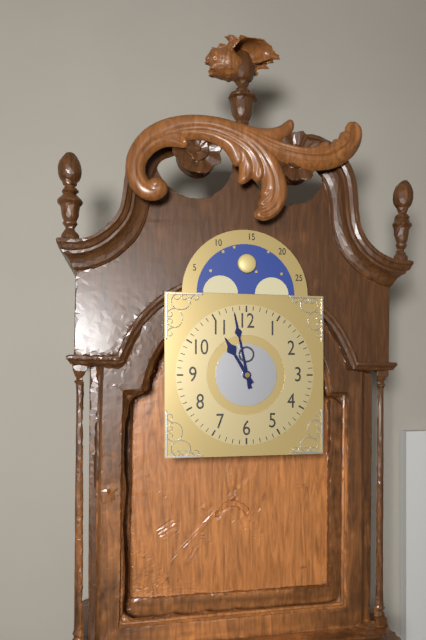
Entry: 10,58
